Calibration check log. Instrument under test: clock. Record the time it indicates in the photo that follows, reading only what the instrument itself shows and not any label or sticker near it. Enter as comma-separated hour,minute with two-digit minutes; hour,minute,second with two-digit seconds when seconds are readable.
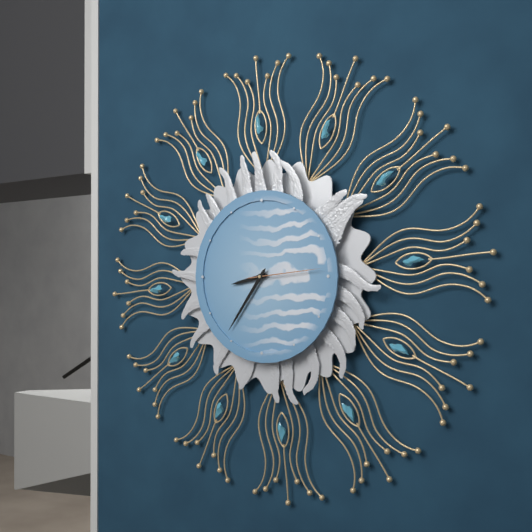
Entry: 8,36,14
